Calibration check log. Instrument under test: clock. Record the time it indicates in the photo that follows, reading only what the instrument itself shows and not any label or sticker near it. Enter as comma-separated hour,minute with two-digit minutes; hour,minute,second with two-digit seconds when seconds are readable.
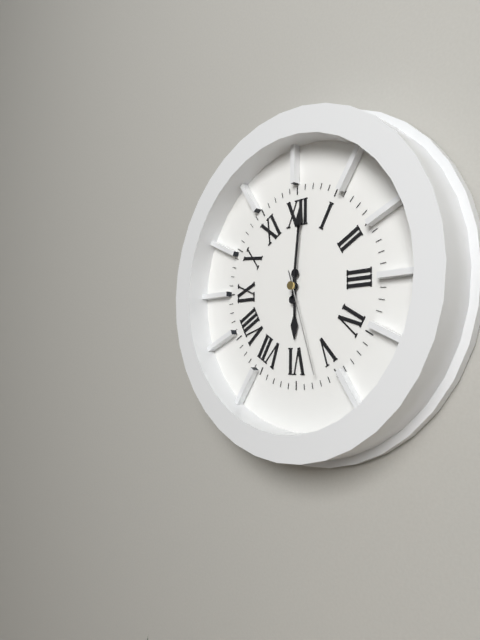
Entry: 6,01,27
